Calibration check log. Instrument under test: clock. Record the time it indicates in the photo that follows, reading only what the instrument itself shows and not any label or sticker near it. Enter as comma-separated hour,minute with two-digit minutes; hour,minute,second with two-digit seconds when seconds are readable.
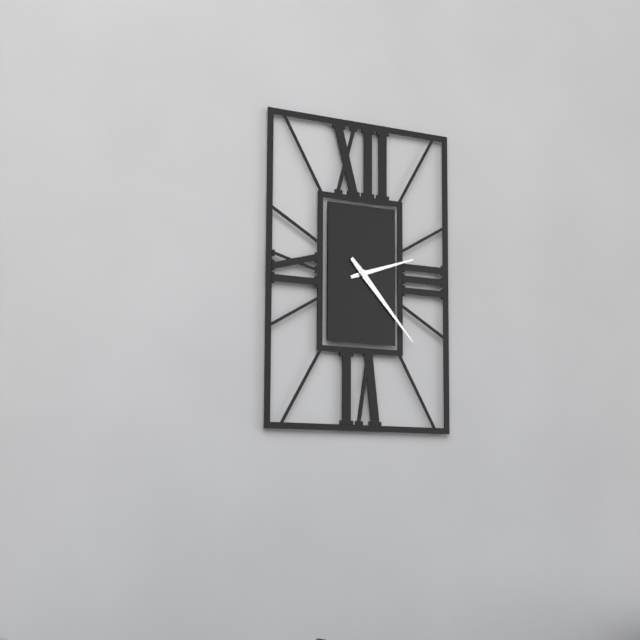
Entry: 2,23
